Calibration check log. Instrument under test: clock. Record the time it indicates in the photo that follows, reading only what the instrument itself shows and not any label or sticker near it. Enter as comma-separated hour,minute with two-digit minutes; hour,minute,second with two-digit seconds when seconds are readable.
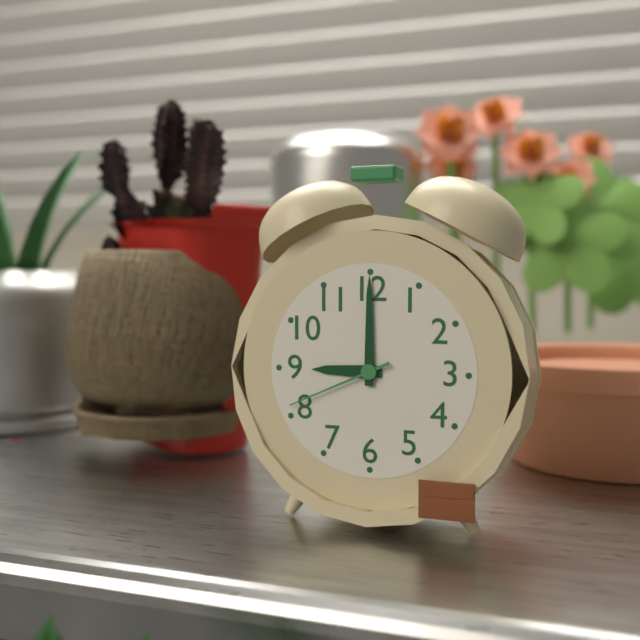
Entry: 9,00,41
